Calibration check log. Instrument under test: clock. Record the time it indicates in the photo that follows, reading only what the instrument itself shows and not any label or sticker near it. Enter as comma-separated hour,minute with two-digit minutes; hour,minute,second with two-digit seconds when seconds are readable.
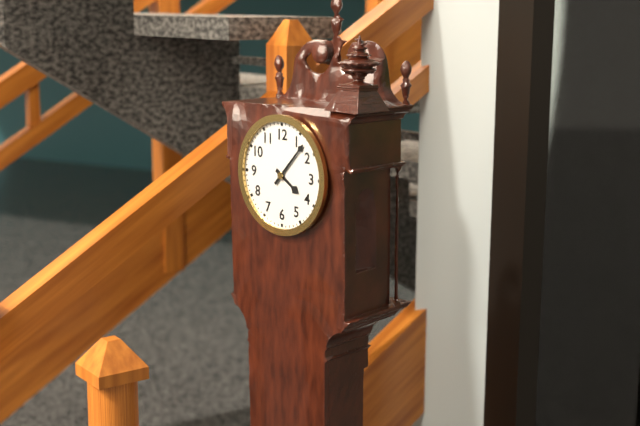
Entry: 4,07
